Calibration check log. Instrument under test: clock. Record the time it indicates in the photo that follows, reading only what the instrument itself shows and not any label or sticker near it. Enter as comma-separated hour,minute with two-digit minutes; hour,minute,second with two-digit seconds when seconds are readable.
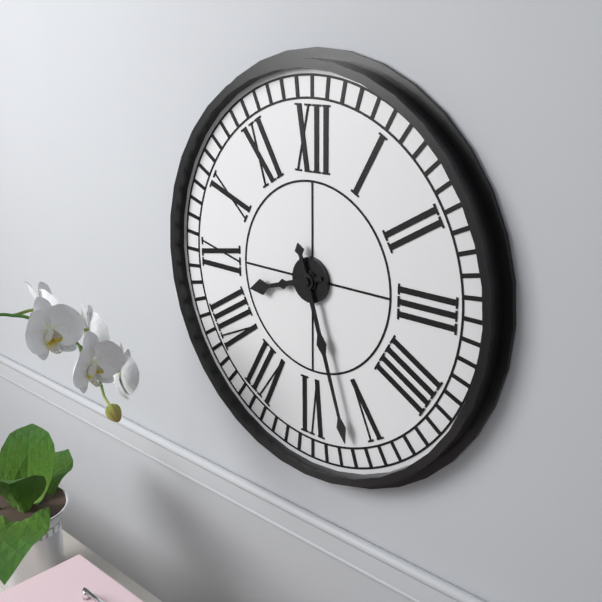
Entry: 8,27
